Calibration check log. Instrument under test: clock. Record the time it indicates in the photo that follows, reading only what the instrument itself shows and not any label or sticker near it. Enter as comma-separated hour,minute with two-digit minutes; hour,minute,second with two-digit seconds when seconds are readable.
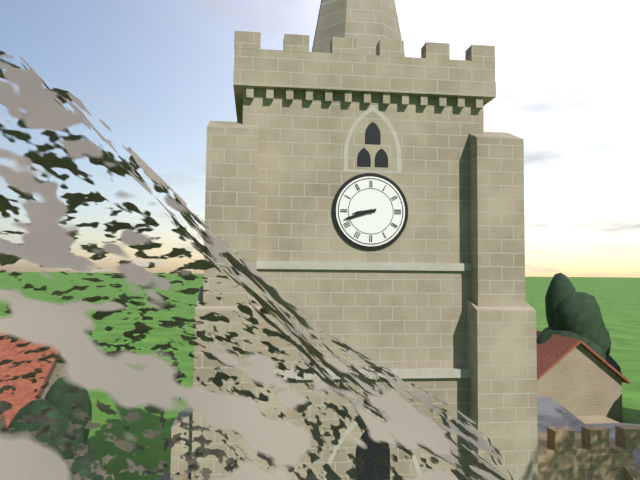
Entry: 8,42
